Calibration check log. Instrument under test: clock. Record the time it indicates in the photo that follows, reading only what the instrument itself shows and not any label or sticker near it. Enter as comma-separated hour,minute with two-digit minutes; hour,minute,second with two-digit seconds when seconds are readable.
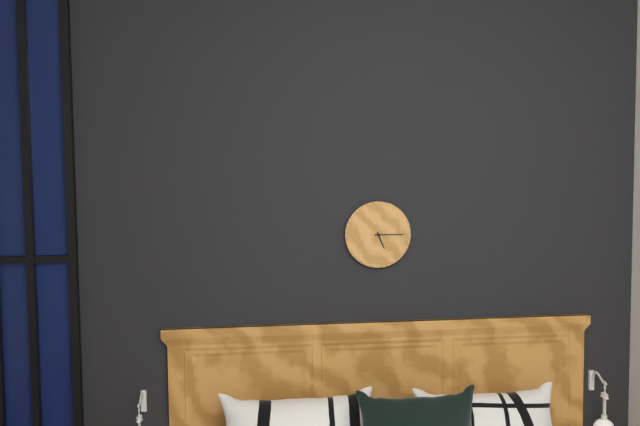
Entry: 5,15
